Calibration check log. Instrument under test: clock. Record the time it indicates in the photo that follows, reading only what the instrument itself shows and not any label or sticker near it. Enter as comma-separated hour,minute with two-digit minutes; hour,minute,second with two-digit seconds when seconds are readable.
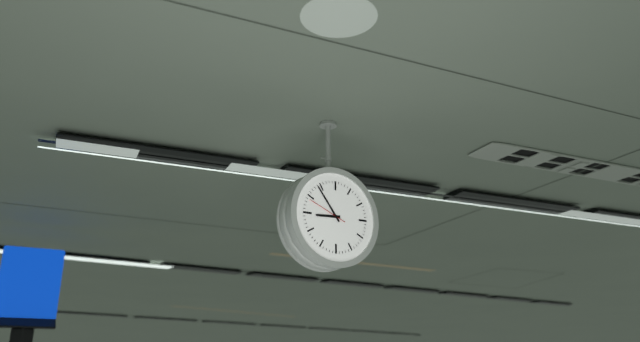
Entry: 8,54
